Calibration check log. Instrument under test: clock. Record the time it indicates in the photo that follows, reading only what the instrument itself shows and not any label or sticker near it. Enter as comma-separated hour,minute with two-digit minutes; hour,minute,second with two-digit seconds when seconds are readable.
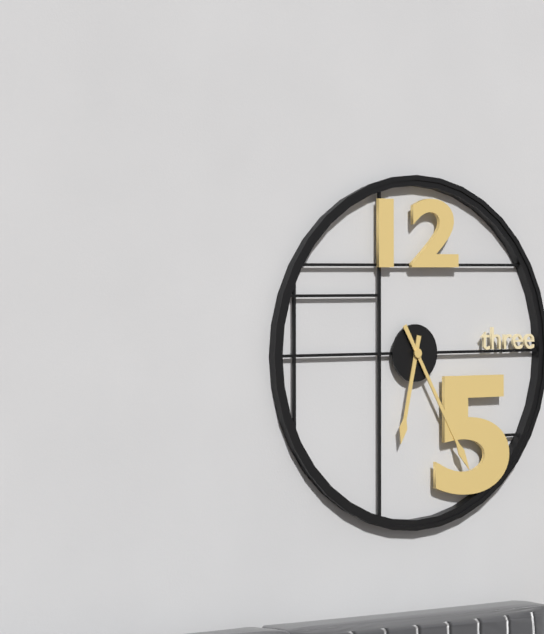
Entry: 6,25
